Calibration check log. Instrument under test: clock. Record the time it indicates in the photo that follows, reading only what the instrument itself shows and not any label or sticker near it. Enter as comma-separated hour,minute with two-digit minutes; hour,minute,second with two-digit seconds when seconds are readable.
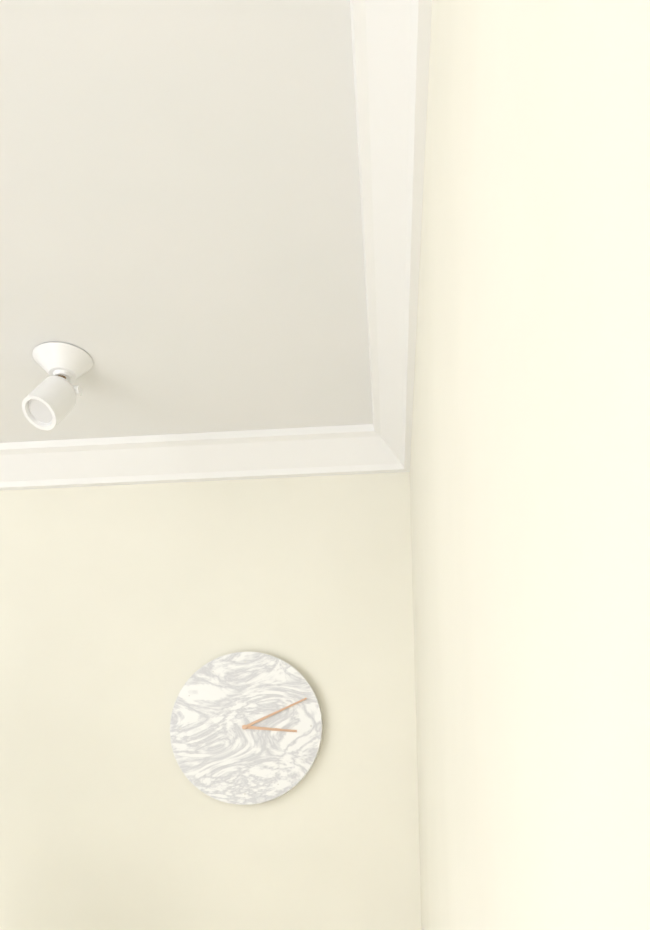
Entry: 3,11
